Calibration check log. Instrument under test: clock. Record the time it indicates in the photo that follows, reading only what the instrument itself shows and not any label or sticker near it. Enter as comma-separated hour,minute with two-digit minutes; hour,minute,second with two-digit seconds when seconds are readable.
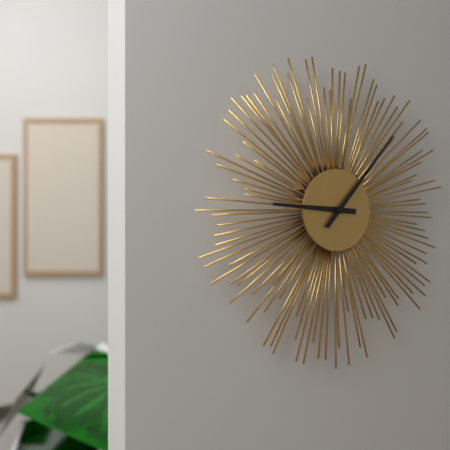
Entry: 9,07
